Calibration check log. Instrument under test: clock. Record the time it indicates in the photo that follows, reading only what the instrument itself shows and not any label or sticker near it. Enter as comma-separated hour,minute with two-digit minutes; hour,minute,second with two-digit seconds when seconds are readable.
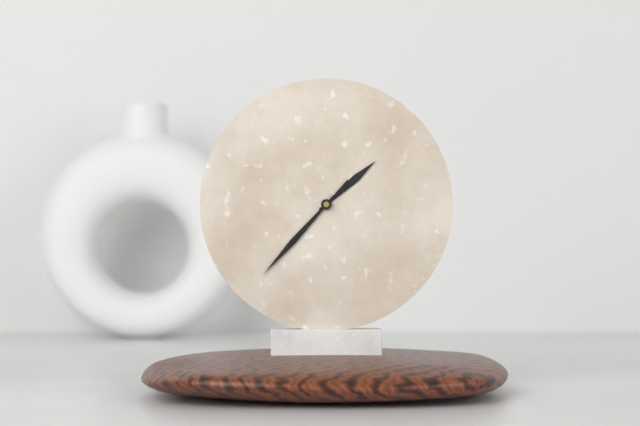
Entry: 1,37,37
